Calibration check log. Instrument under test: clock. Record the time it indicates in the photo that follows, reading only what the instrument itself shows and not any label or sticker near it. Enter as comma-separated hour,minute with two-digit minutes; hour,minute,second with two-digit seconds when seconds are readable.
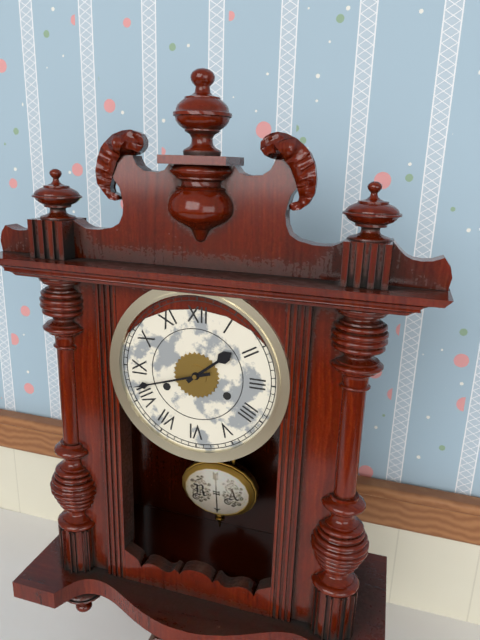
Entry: 1,42
